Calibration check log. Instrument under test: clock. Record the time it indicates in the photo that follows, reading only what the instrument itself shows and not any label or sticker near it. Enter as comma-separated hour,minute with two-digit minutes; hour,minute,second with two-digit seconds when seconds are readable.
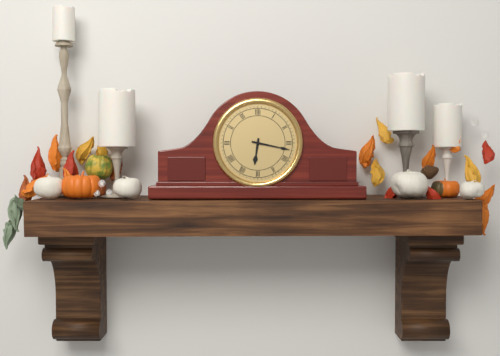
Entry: 6,17
